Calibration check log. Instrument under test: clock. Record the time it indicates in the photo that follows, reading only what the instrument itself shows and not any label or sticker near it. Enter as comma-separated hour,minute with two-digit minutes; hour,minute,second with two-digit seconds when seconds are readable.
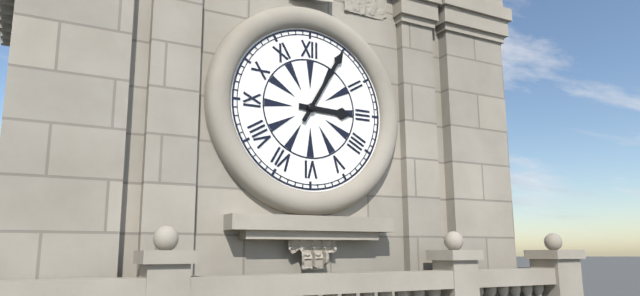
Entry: 3,05
